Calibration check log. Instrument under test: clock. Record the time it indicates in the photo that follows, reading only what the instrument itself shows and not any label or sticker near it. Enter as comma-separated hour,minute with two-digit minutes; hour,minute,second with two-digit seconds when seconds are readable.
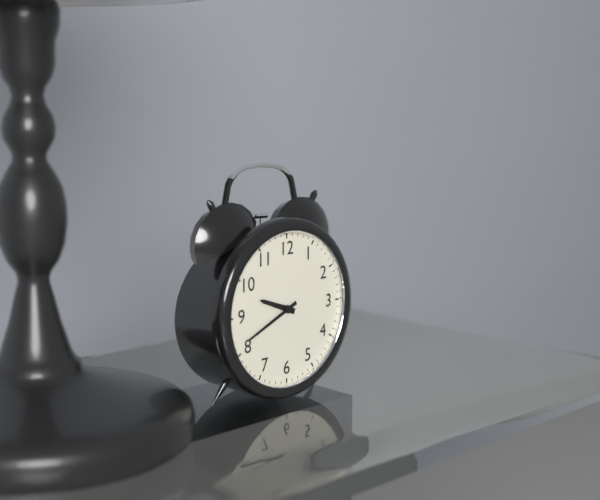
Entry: 9,41
